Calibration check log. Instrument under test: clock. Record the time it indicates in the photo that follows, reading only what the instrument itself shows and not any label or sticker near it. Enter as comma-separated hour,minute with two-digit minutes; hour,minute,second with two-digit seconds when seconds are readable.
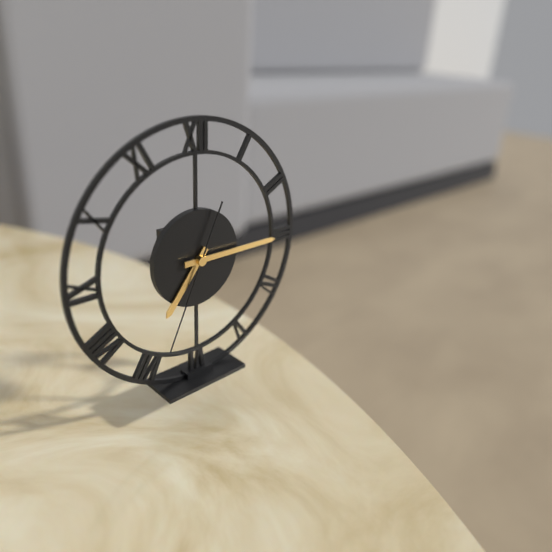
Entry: 7,15,34
